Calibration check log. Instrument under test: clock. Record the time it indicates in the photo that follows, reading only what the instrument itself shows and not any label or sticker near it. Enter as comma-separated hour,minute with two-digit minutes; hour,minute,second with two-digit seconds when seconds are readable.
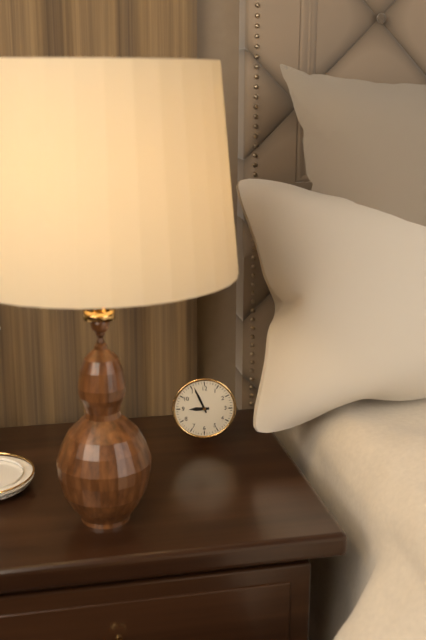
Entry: 8,56
